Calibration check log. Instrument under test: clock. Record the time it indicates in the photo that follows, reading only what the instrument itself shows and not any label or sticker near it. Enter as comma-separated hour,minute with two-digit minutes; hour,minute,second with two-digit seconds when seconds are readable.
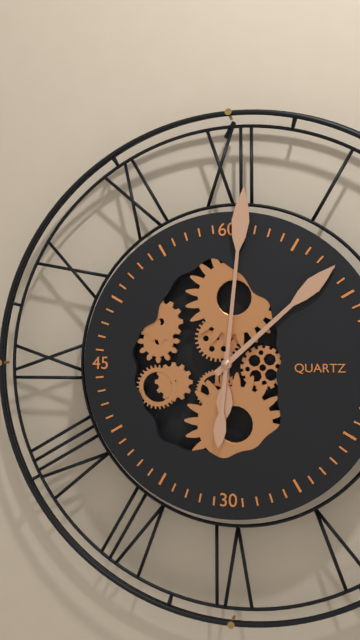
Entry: 6,08,01
